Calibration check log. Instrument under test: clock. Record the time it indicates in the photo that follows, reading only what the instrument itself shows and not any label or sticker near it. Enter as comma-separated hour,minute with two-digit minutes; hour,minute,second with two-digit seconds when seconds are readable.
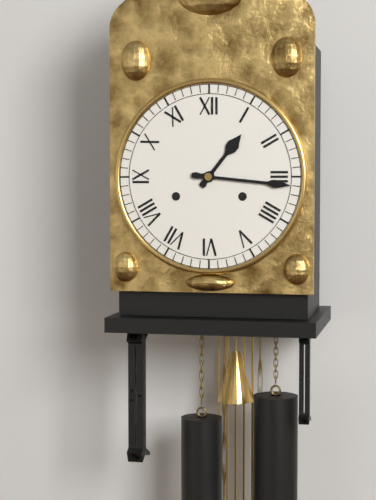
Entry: 1,16
